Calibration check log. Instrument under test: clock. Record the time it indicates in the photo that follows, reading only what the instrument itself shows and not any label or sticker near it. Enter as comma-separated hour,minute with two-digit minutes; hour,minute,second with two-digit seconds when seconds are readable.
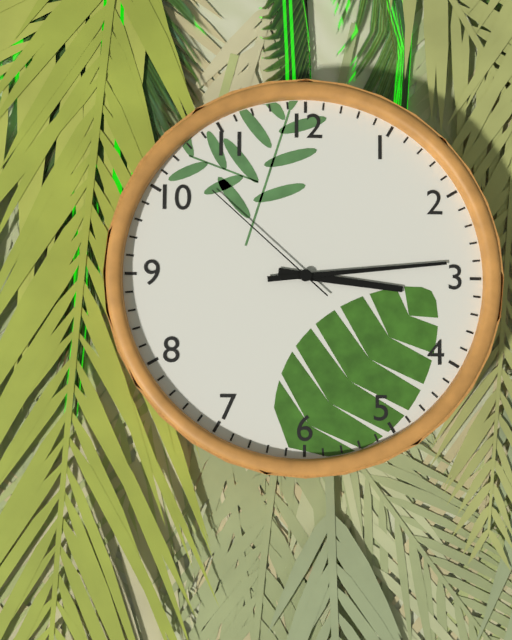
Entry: 3,14,52
